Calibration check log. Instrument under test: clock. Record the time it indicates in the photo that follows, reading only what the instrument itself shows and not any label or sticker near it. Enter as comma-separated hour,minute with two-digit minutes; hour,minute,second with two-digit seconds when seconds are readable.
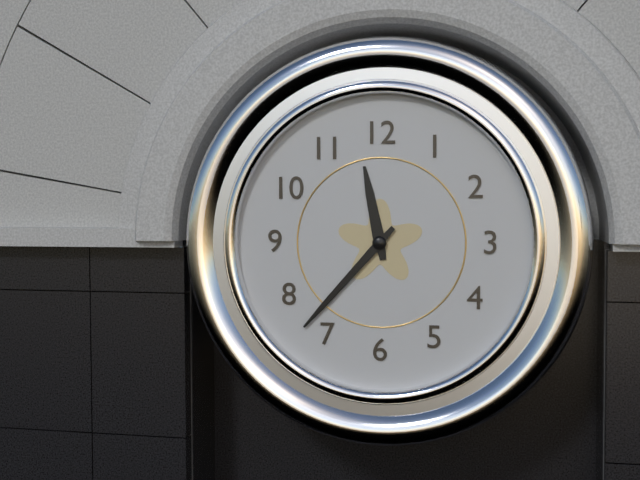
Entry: 11,37
